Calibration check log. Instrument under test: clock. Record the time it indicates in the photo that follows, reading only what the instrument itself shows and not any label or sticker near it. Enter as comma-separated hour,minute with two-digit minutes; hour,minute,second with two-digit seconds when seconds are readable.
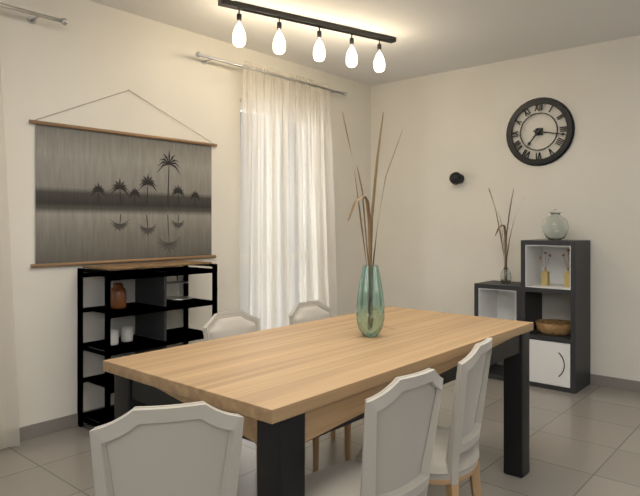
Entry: 7,17
